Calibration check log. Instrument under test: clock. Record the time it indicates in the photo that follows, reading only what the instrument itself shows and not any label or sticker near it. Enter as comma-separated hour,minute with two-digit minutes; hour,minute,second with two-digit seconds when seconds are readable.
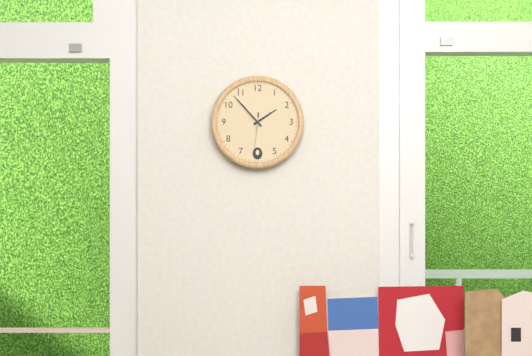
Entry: 1,53
